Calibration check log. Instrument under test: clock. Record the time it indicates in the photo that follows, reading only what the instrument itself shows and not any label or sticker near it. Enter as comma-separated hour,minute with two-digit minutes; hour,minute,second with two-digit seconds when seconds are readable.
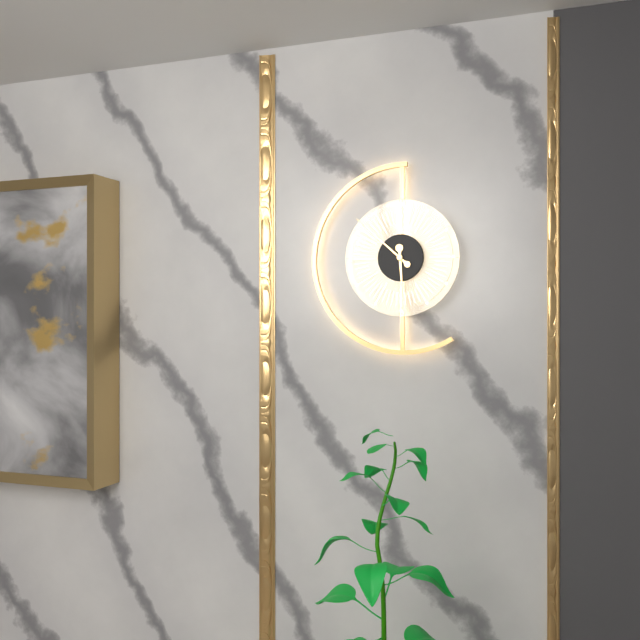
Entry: 5,52
